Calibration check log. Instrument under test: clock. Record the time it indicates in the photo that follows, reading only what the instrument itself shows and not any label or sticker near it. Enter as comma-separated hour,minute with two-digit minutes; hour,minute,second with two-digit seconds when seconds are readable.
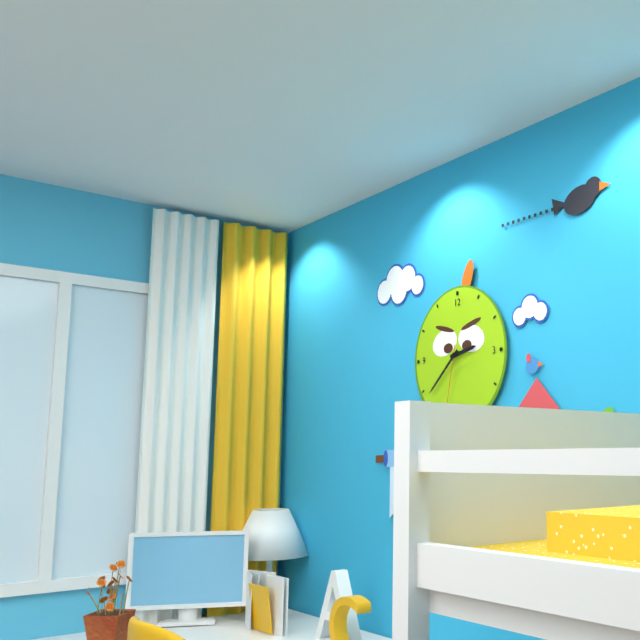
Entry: 2,38,32
